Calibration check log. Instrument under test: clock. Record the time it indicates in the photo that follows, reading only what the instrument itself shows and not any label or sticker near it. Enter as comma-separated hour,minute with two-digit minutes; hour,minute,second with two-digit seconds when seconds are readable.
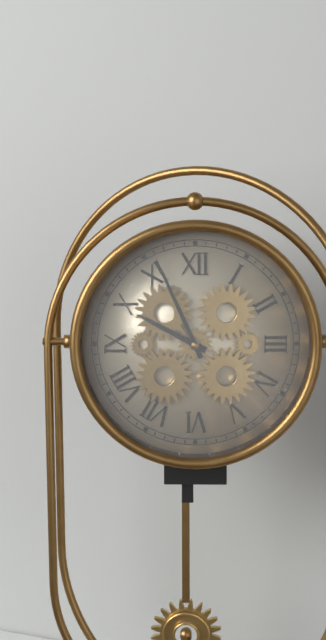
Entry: 9,56
